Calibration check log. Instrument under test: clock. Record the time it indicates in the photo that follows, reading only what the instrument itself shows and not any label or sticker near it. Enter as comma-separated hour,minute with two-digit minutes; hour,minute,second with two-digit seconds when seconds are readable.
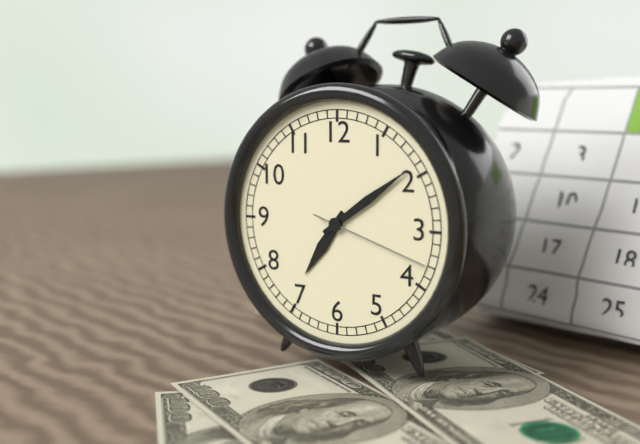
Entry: 7,09,18
